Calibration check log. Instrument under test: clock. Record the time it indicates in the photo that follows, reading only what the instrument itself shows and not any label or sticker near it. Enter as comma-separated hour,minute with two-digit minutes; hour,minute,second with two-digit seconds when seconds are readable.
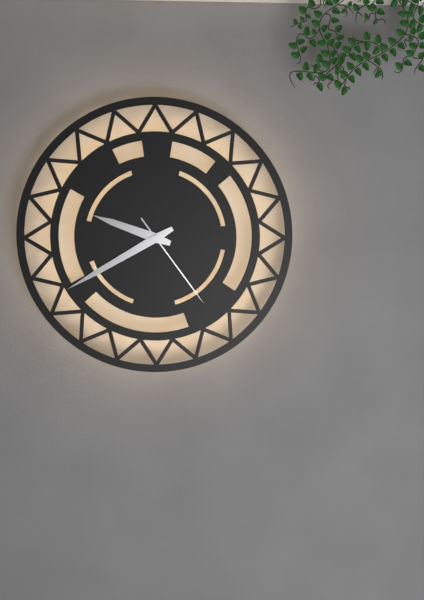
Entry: 9,40,24
